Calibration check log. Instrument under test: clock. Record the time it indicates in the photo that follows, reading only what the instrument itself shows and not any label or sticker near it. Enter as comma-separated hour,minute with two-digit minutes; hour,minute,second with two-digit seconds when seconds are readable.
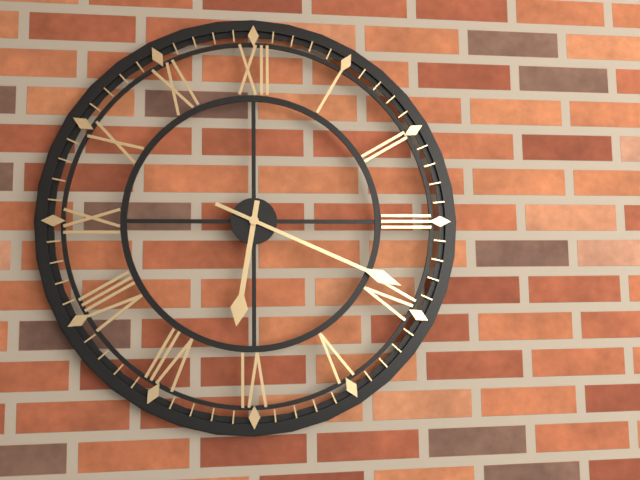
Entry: 6,19
